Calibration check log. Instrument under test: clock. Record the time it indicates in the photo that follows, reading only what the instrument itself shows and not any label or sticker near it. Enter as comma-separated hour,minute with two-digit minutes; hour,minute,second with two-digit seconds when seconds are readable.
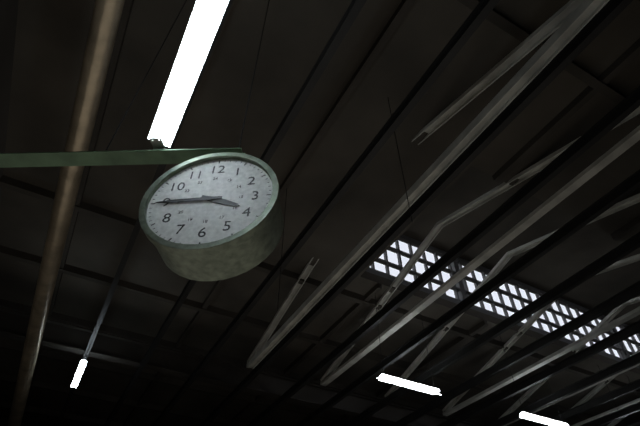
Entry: 3,45
